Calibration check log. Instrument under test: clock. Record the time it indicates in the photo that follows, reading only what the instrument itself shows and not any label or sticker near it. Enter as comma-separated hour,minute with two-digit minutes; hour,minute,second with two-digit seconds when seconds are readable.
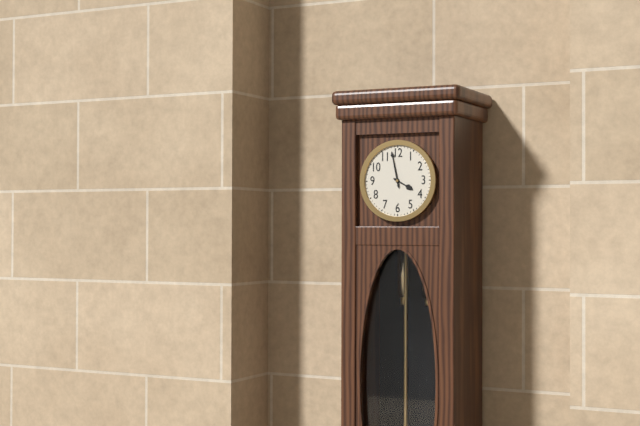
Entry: 3,58
